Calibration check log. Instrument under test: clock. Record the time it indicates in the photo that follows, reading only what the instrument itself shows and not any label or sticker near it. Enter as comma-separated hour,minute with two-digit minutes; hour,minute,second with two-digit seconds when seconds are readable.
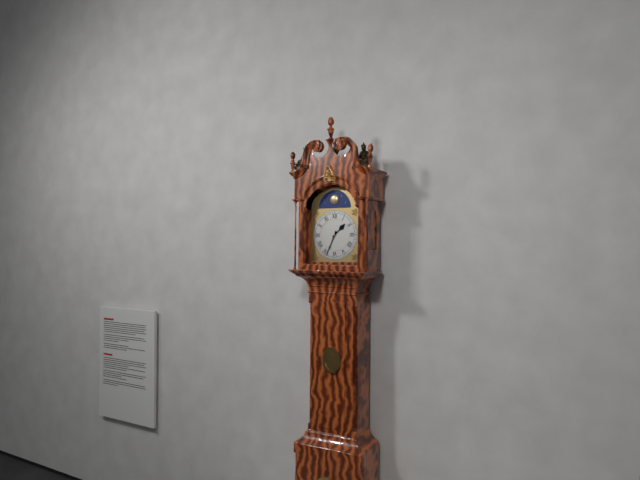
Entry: 1,34
